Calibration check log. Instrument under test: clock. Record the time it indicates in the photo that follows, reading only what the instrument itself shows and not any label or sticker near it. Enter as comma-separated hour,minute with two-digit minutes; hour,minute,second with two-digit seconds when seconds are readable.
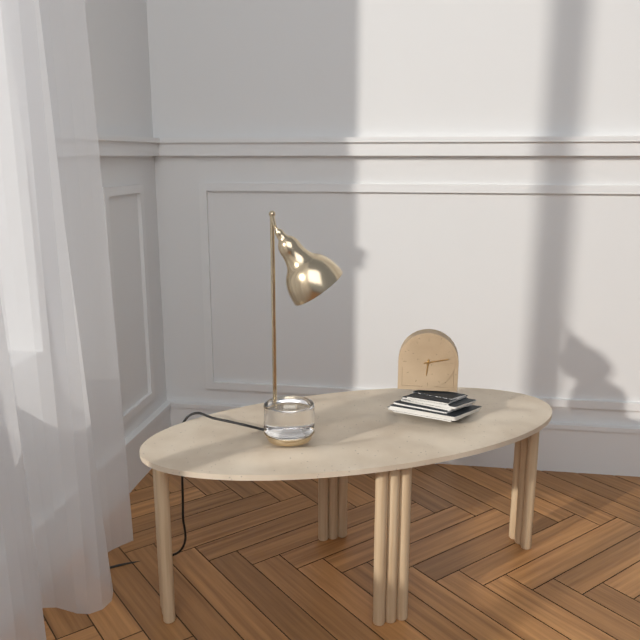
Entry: 6,13
